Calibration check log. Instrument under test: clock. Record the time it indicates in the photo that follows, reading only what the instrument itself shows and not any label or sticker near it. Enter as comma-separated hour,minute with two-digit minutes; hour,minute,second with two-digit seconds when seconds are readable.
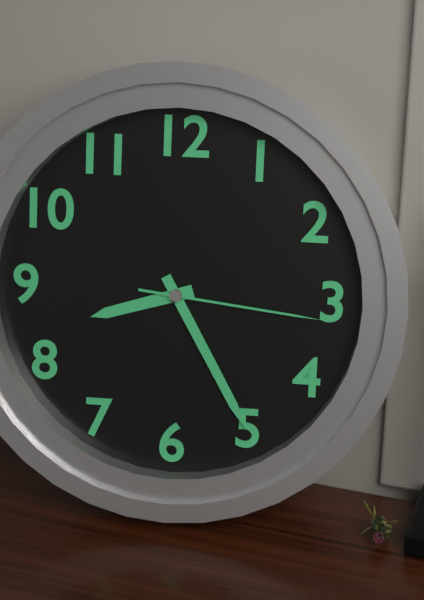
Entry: 8,25,16
